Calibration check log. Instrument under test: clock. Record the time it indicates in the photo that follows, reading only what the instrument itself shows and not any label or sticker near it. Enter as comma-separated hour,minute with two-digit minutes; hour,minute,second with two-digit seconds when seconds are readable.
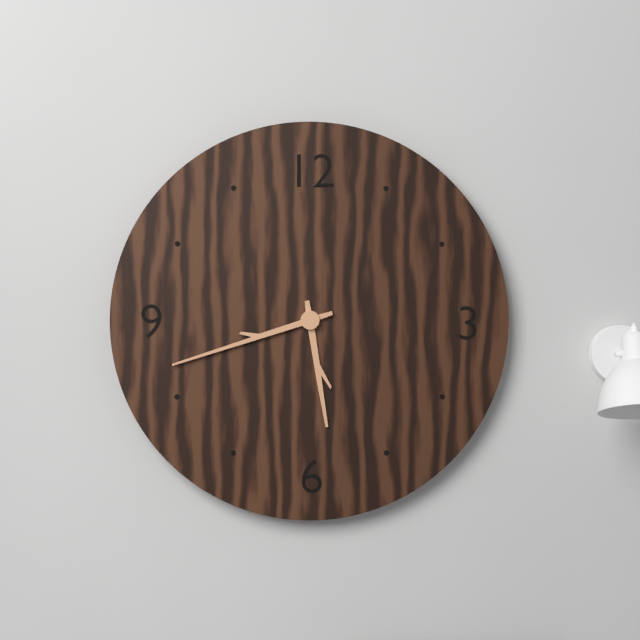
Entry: 5,42
